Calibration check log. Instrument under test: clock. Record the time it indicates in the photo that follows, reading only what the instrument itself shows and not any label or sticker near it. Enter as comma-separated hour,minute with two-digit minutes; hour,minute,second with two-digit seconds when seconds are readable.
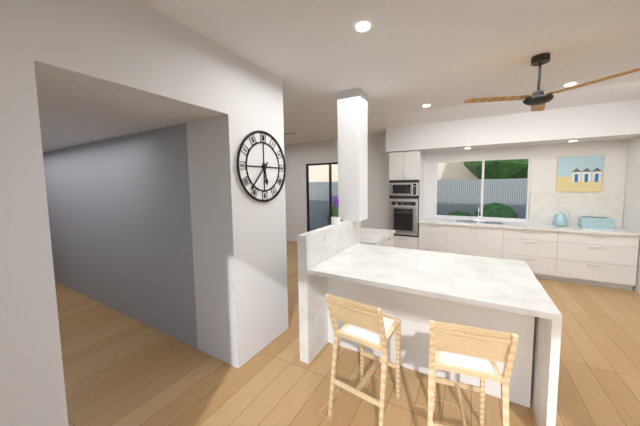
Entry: 5,37
